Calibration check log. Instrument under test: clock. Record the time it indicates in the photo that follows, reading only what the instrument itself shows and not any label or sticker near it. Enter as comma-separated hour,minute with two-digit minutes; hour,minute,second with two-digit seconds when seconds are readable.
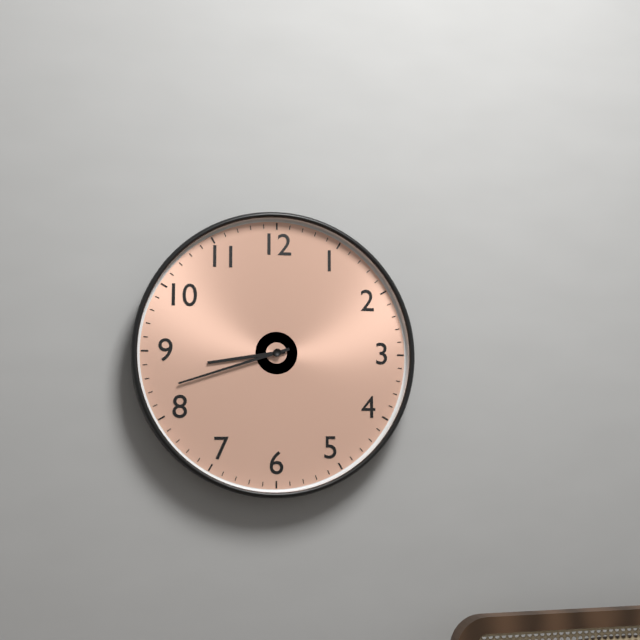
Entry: 8,42
